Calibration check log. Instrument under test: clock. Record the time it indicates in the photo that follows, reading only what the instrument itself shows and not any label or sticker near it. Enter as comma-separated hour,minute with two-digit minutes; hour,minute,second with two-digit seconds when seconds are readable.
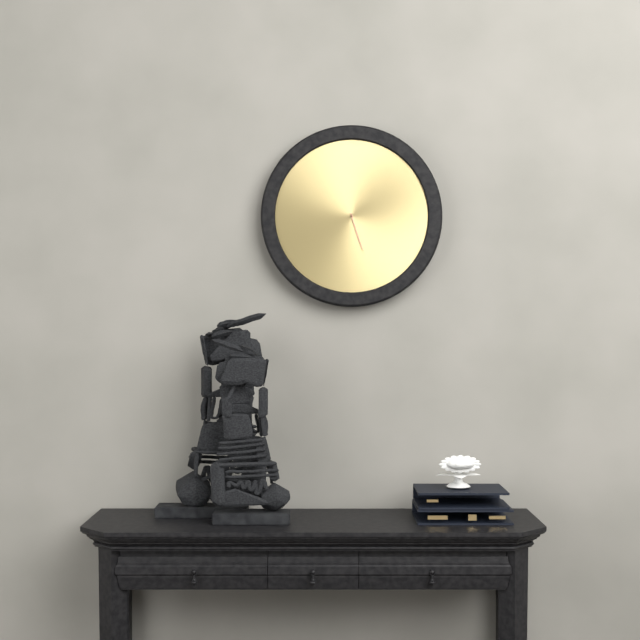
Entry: 5,27
